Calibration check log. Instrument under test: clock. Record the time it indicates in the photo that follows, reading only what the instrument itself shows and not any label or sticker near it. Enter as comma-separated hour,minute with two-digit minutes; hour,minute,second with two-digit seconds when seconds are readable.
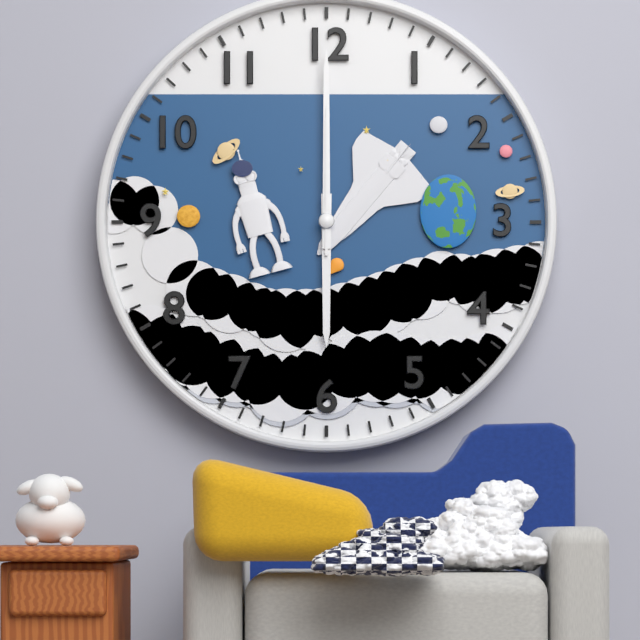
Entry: 6,00,00
